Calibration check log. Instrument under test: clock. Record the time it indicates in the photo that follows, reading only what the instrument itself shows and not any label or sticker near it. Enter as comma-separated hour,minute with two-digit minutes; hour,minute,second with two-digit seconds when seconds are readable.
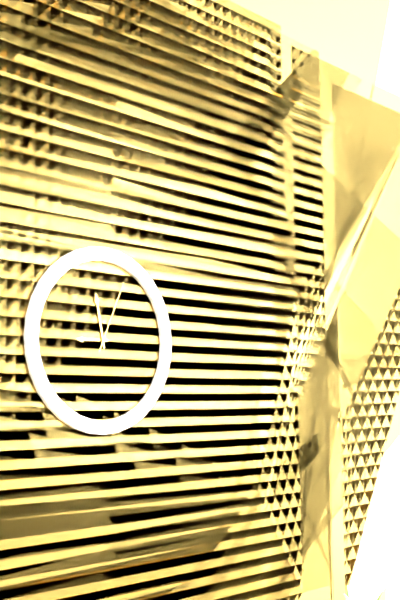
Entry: 8,58,04
